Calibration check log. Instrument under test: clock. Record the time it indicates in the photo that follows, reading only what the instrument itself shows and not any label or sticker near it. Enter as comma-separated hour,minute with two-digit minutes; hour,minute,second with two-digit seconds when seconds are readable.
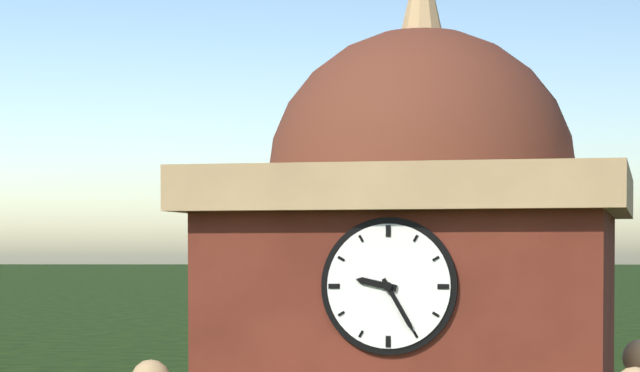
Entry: 9,25
